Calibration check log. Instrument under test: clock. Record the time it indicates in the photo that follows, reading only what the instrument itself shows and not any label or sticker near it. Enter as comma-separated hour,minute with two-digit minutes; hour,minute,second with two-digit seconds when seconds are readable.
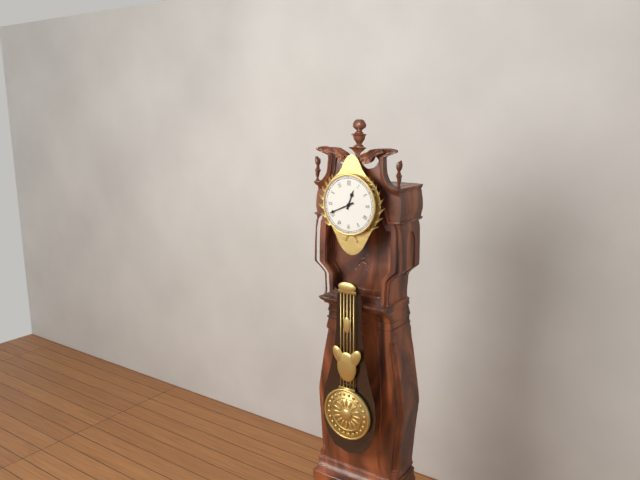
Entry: 12,41
